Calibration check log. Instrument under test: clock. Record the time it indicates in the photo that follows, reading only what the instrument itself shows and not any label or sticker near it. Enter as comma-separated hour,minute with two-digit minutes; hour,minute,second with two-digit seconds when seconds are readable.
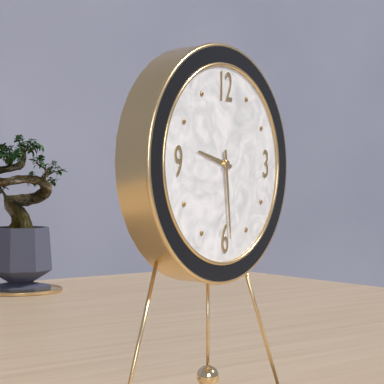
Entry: 9,29
